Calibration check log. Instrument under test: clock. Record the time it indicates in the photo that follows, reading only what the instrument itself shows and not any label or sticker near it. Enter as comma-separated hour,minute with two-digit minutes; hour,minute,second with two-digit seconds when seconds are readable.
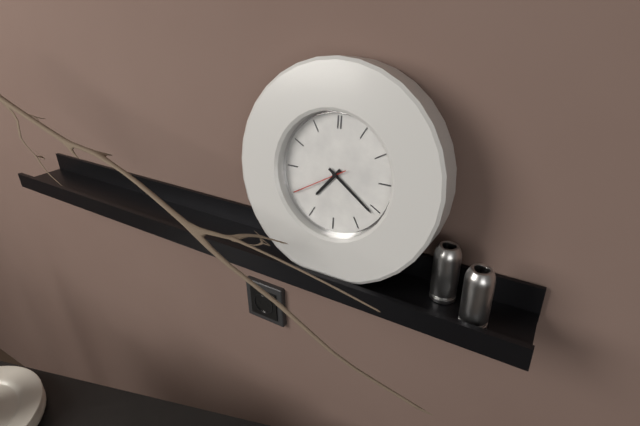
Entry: 7,21,40
